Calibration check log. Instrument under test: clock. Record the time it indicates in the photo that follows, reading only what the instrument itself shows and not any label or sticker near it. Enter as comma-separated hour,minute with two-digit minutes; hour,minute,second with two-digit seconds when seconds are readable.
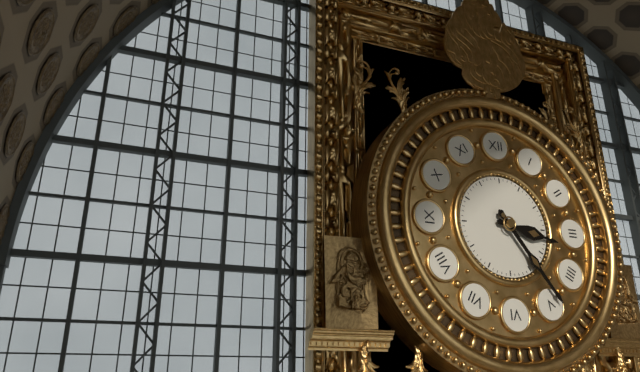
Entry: 3,24
